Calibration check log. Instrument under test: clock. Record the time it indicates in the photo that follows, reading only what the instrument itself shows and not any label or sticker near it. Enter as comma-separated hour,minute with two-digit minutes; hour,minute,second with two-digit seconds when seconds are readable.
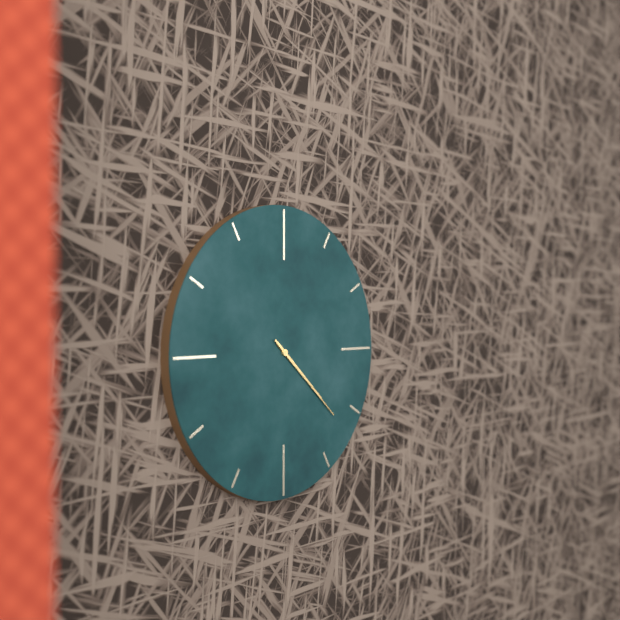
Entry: 4,22
